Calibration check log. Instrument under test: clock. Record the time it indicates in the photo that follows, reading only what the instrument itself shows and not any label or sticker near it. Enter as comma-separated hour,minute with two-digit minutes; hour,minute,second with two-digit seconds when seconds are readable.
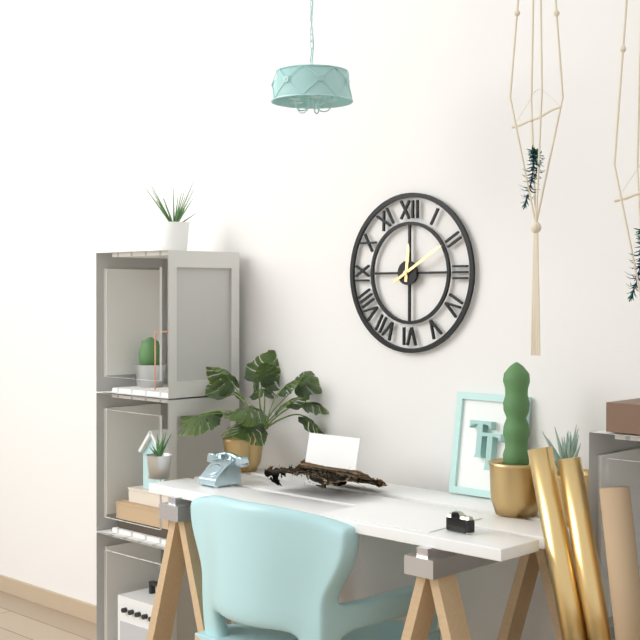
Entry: 12,10
